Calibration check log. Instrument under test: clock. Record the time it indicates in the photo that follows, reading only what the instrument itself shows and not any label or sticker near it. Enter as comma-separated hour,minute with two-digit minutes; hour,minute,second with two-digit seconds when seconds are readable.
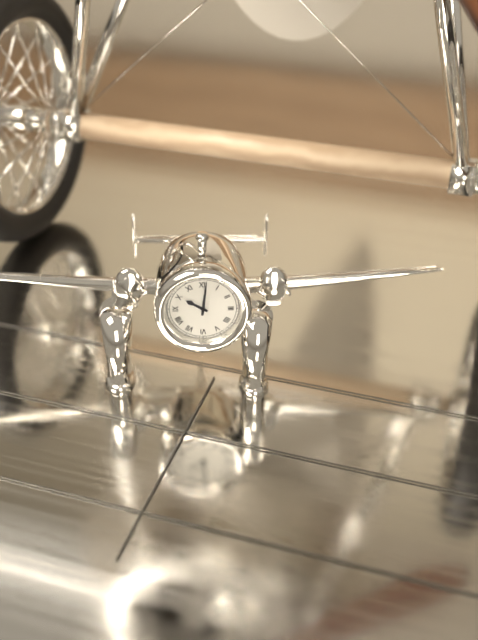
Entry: 10,01
